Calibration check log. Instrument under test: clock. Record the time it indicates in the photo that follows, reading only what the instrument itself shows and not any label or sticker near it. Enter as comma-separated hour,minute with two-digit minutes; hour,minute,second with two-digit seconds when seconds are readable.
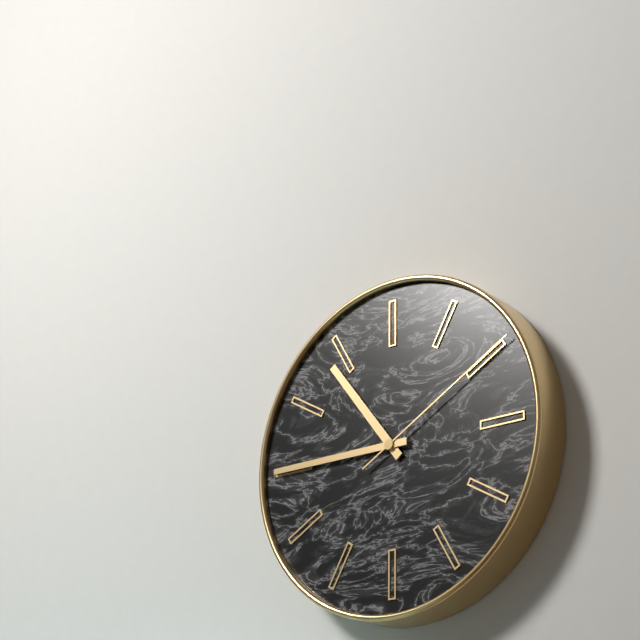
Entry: 10,45,10
